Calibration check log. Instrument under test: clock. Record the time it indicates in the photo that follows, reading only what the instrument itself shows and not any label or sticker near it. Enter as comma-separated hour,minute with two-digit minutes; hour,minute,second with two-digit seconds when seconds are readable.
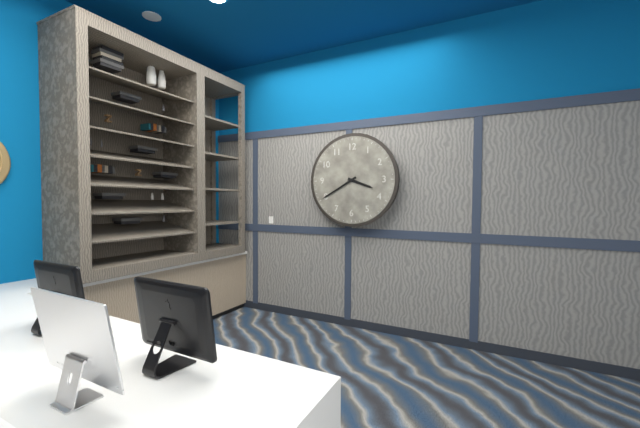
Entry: 3,40
